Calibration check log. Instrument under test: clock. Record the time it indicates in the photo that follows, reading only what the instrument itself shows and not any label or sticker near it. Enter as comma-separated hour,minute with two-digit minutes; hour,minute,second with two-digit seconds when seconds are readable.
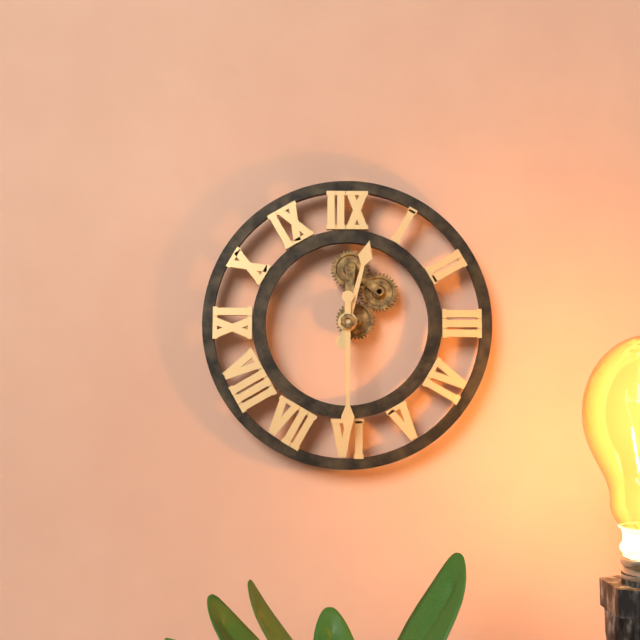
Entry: 12,30
